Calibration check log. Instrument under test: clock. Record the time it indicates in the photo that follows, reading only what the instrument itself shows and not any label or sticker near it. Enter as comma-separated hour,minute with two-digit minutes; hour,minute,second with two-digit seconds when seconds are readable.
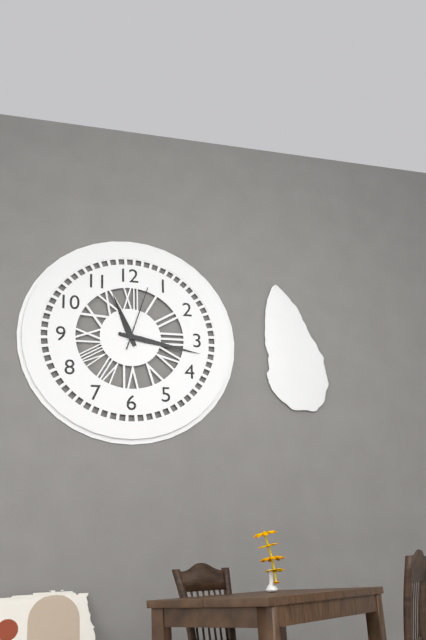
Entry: 11,17,03
